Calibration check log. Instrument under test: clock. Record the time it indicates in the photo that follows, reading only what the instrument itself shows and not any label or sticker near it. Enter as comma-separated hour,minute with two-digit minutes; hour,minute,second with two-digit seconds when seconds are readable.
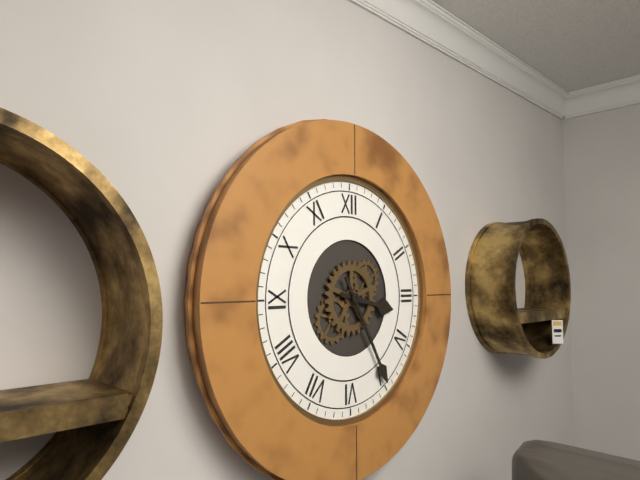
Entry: 3,25
